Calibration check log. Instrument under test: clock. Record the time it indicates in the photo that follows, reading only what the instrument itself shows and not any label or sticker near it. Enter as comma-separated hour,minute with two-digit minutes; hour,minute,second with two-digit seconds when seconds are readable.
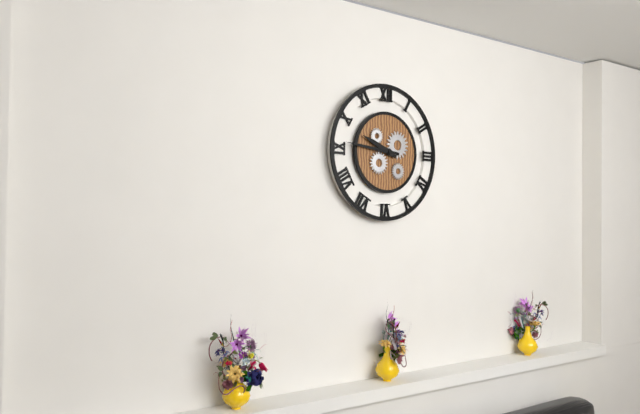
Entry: 9,46
